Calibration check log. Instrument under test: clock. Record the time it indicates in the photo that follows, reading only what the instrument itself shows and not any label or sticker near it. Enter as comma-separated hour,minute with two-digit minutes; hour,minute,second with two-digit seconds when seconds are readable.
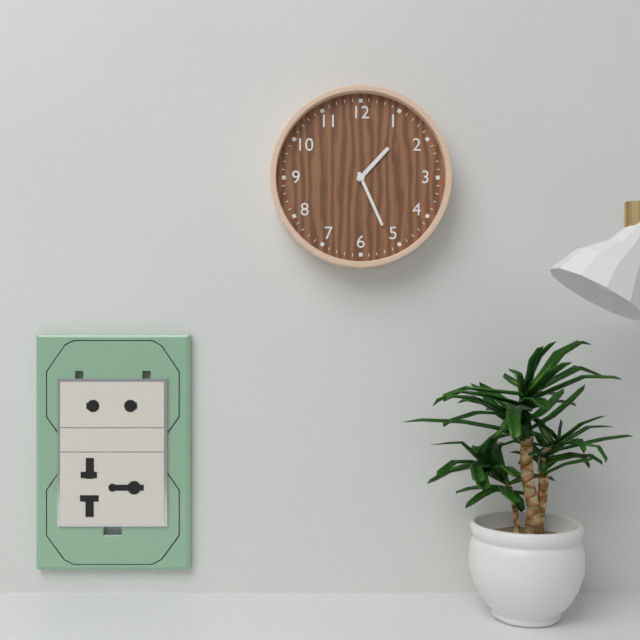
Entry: 1,26
